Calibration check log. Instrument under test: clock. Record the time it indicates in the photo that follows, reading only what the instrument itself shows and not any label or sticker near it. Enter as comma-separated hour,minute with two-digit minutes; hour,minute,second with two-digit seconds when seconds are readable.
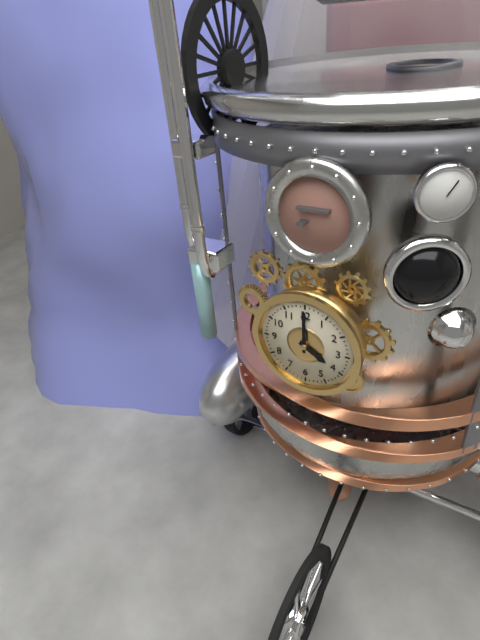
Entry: 4,00
